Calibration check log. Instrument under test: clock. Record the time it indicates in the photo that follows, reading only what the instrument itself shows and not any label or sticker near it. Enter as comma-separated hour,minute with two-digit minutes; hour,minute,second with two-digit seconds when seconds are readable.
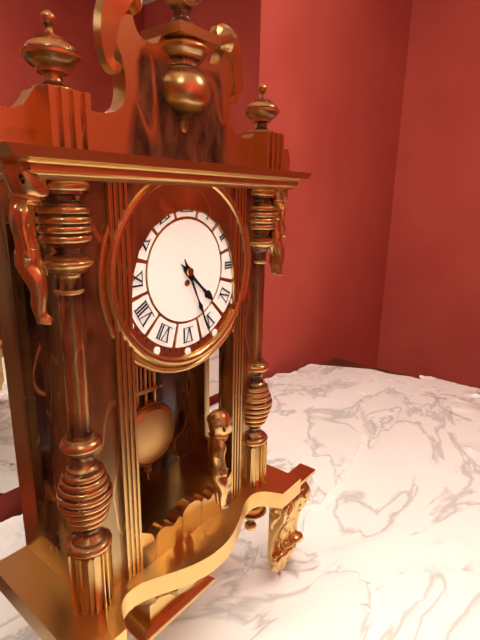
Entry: 4,26
